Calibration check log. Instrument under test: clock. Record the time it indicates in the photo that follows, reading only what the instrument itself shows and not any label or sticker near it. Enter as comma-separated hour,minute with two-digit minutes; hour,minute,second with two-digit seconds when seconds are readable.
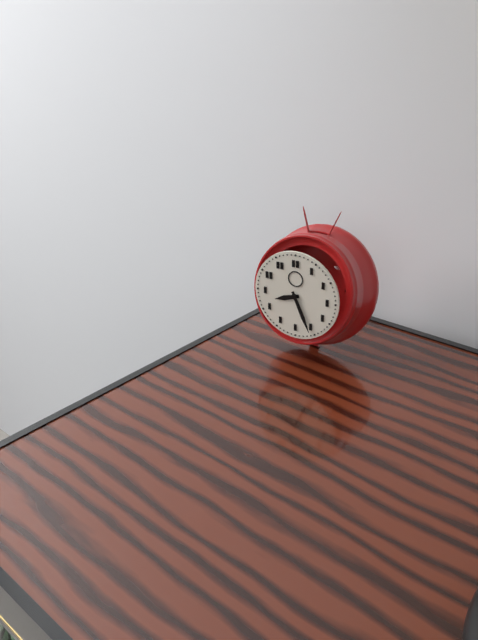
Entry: 8,26
